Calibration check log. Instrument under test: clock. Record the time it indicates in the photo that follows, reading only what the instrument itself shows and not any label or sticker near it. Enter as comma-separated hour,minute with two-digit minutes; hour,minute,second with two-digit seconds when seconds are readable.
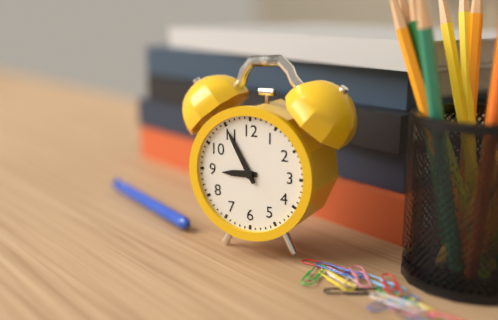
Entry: 8,55
